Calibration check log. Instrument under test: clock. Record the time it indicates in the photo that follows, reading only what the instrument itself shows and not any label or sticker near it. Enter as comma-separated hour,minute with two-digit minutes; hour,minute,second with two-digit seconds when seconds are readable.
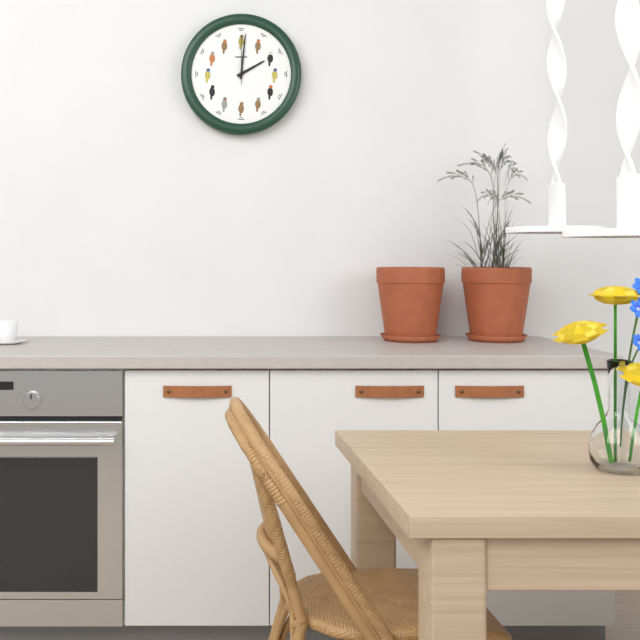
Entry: 2,01,00
